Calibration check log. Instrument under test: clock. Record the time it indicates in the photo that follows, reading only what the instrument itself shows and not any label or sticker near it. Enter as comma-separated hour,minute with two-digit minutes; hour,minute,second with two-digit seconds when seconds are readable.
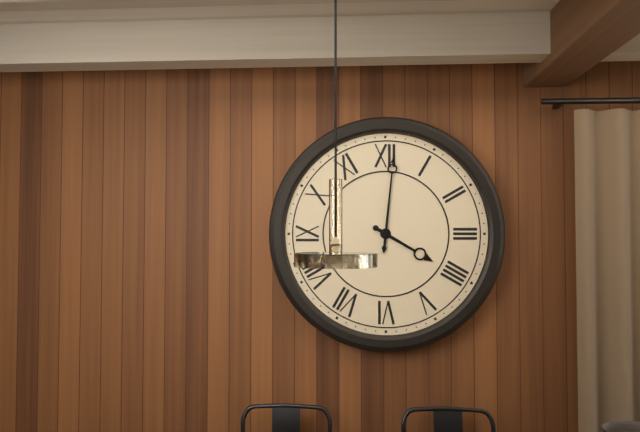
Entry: 4,01
